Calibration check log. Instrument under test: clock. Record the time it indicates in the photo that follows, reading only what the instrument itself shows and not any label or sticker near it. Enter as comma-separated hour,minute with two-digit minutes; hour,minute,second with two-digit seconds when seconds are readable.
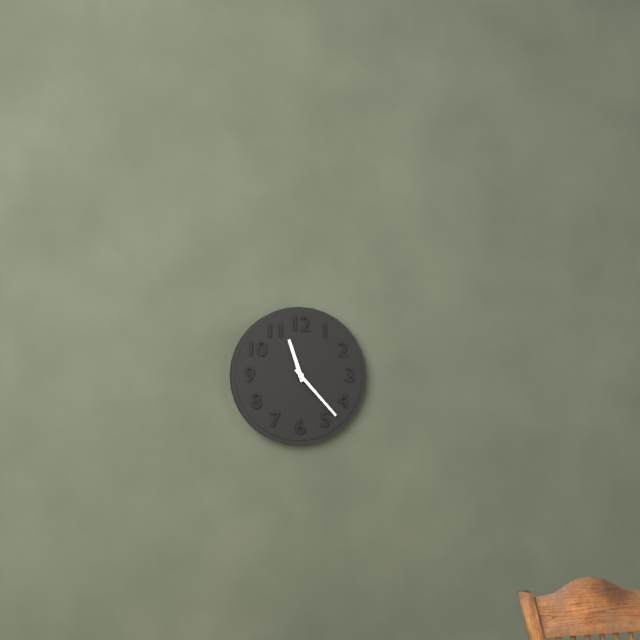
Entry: 11,23
